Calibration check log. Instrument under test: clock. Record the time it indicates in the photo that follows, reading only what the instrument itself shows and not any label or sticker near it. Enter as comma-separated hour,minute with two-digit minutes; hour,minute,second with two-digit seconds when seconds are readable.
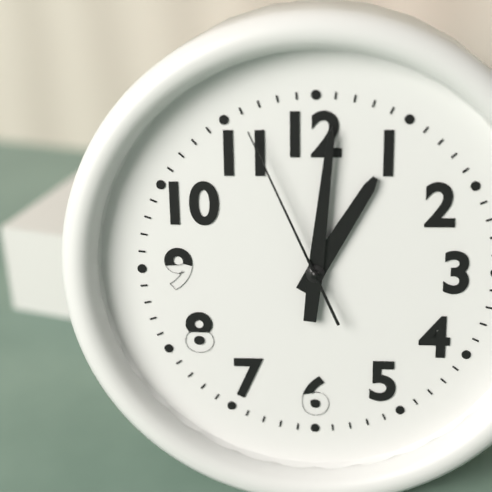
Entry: 1,01,56
